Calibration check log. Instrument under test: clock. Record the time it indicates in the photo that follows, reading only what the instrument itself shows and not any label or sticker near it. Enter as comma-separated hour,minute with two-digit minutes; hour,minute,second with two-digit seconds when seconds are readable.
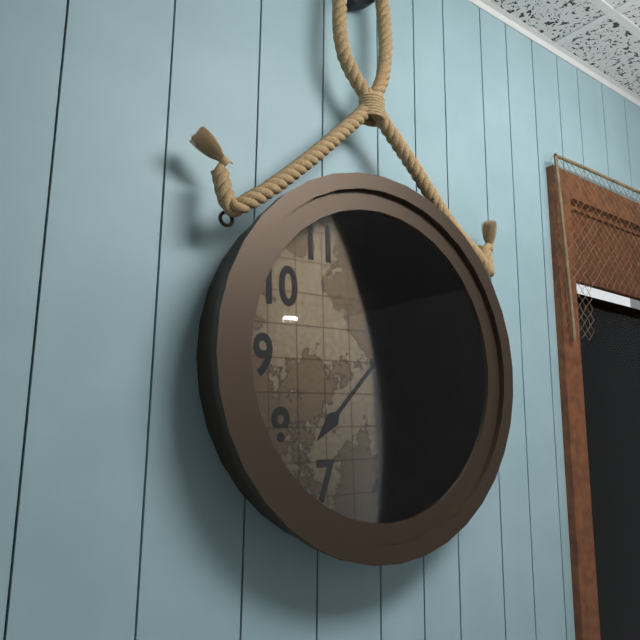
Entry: 7,30
